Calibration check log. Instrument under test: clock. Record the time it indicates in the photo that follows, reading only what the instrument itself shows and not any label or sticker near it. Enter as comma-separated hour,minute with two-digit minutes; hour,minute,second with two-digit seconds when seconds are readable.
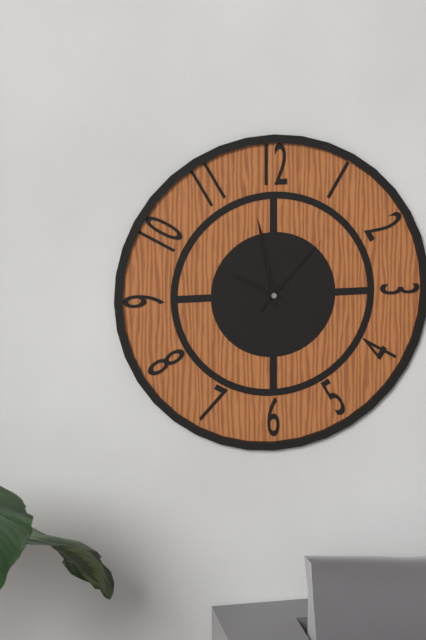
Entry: 9,58,07
